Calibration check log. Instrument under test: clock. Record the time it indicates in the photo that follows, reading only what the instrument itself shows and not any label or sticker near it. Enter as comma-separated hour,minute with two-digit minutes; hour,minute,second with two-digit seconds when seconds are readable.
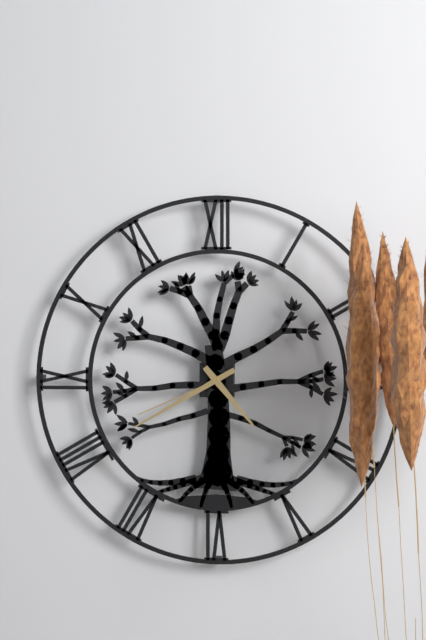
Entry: 4,40,41
